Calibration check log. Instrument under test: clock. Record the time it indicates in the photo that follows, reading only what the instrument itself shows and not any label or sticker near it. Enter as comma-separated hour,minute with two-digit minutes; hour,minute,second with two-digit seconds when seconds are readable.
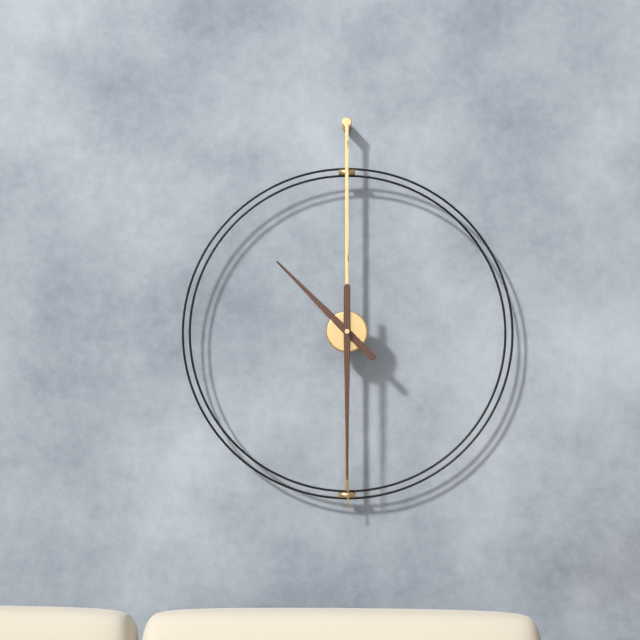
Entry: 10,30
